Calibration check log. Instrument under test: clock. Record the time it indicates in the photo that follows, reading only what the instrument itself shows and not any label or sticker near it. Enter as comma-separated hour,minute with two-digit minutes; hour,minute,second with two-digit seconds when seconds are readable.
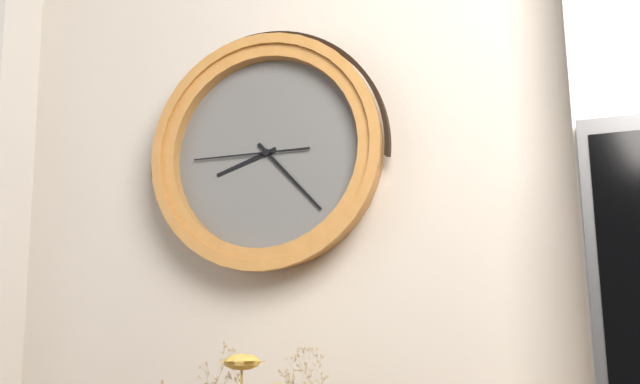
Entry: 8,23,45
